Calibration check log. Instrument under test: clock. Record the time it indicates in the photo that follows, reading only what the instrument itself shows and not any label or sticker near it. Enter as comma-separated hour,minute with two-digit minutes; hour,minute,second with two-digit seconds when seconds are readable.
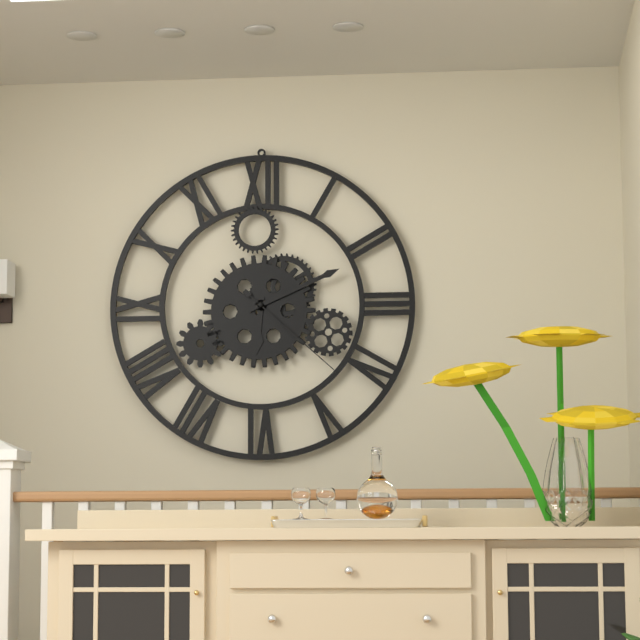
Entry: 6,11,22
